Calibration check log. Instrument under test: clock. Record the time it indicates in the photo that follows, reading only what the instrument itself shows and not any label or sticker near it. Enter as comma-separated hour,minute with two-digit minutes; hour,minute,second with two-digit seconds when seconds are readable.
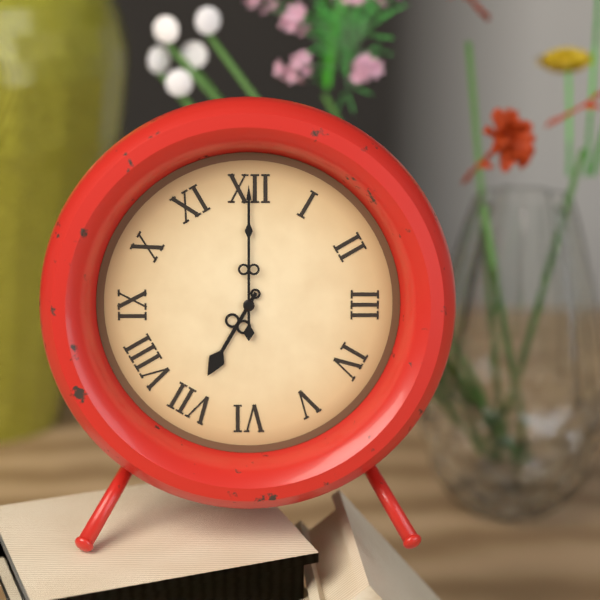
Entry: 7,00
